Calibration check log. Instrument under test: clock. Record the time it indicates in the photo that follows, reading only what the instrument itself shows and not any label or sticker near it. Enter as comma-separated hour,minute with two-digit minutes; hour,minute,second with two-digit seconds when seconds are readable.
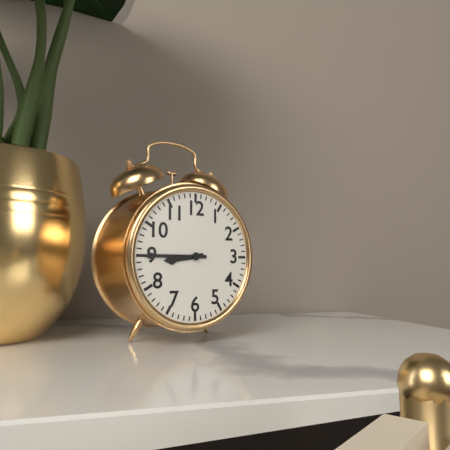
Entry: 8,45
